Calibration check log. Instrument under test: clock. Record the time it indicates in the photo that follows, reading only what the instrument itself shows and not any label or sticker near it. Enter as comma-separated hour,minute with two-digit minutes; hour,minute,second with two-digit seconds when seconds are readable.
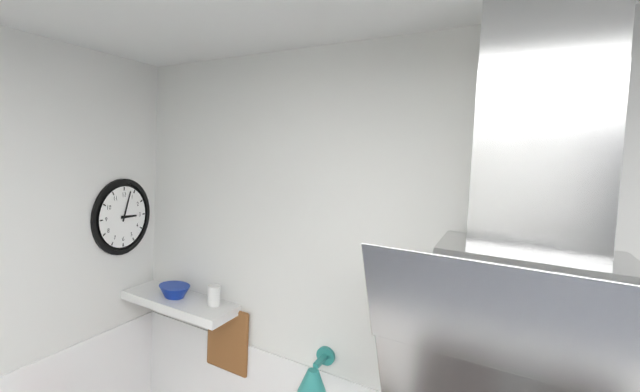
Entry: 3,03
